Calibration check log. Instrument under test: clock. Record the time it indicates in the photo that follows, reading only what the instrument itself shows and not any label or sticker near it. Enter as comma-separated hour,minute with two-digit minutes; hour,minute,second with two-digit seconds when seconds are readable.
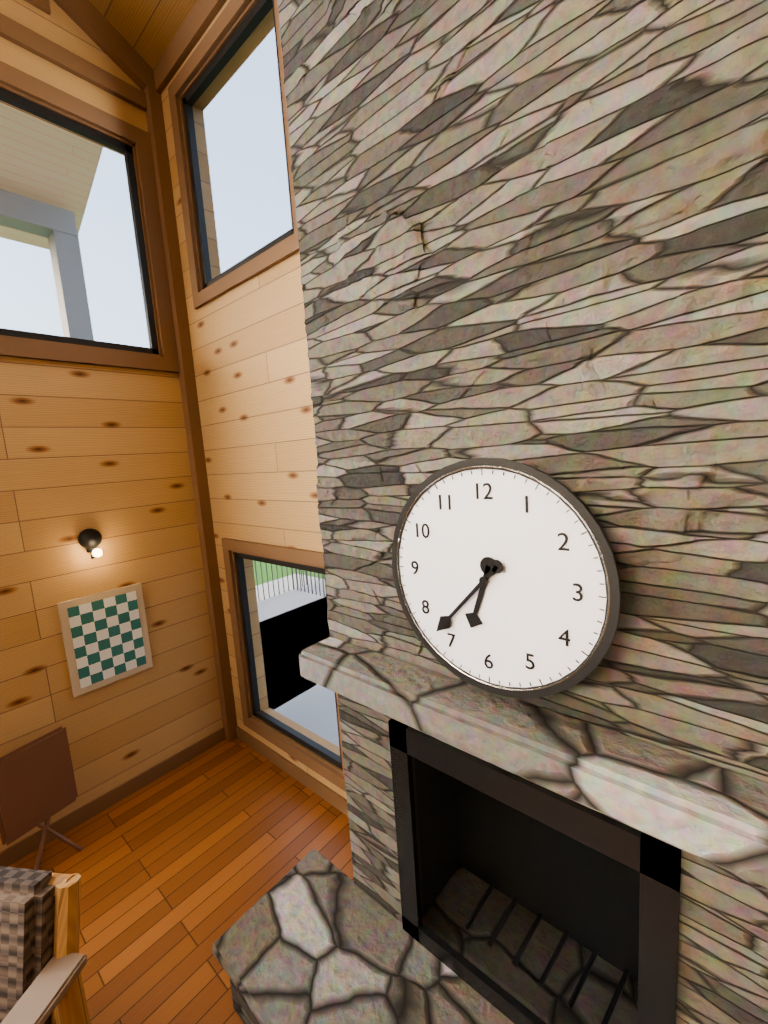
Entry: 6,37
